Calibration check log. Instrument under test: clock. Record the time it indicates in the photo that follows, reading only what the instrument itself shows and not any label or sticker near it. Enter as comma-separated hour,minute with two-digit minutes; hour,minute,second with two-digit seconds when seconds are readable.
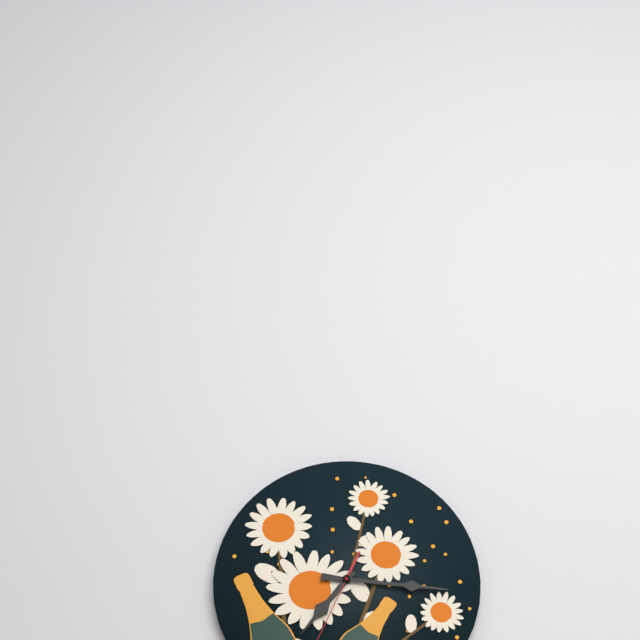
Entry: 7,16
